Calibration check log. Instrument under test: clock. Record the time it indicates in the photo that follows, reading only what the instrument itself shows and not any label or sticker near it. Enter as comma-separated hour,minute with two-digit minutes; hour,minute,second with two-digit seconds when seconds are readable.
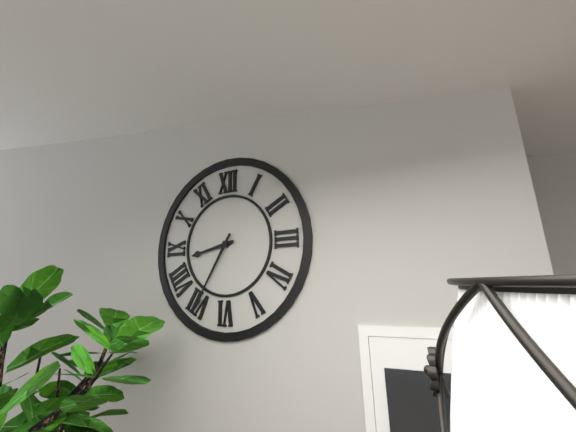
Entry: 8,35
